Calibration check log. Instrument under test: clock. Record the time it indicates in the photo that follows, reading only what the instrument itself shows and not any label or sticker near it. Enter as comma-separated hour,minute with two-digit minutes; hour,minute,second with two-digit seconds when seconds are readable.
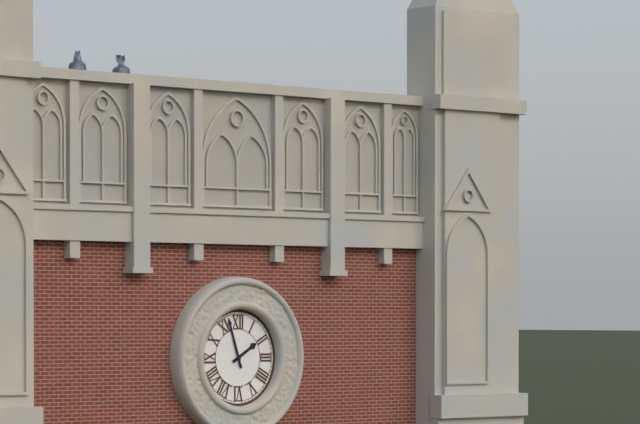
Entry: 1,57
